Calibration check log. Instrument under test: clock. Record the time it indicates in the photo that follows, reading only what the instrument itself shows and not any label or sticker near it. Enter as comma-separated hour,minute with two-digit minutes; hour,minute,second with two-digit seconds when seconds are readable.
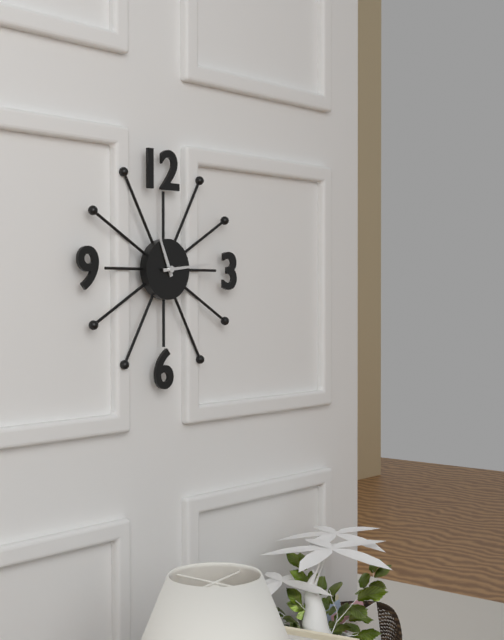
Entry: 11,14
